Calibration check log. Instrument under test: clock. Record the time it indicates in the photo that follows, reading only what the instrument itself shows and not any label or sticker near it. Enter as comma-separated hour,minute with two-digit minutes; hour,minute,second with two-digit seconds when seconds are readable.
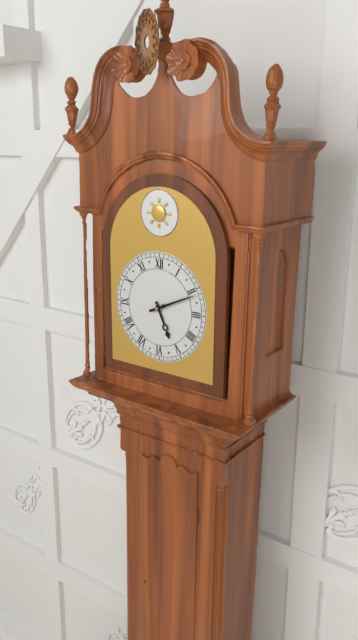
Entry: 5,11
